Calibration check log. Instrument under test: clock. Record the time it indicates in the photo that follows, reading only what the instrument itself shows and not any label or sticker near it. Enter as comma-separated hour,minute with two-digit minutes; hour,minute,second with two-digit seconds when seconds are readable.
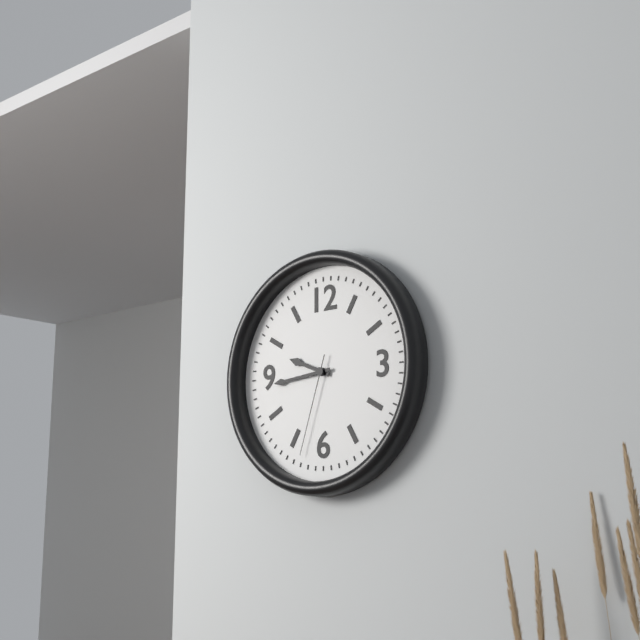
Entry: 9,44,33
